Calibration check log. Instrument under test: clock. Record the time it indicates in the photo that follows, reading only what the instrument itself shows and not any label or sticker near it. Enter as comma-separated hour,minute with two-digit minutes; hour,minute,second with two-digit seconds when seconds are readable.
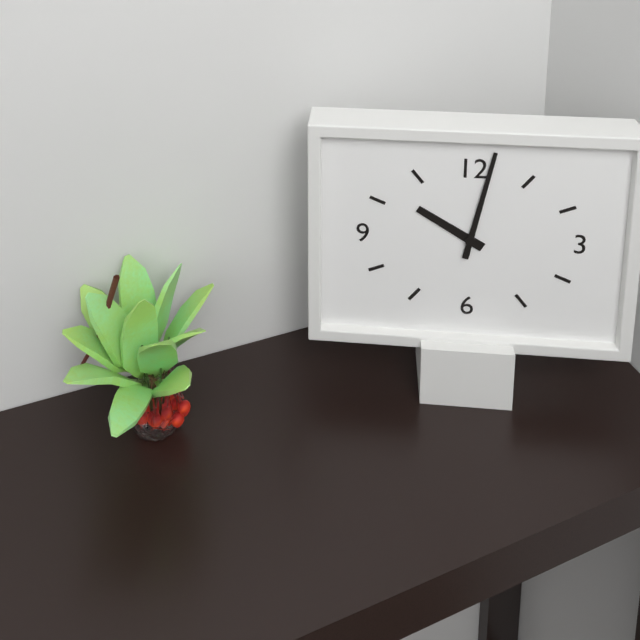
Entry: 10,02
